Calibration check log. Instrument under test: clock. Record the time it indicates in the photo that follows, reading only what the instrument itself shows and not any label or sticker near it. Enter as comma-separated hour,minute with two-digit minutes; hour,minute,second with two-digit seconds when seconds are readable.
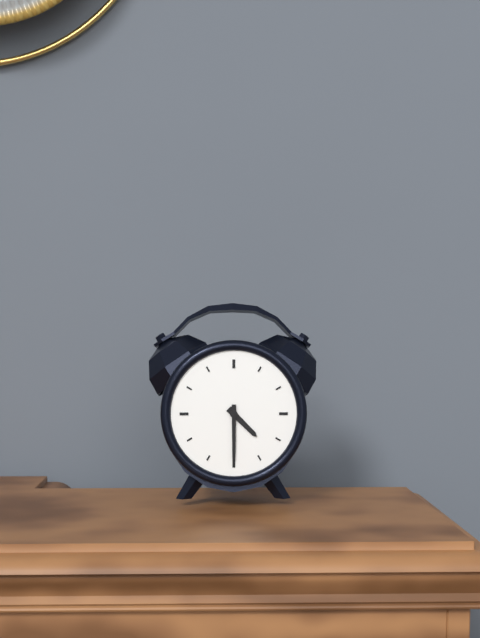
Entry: 4,30
